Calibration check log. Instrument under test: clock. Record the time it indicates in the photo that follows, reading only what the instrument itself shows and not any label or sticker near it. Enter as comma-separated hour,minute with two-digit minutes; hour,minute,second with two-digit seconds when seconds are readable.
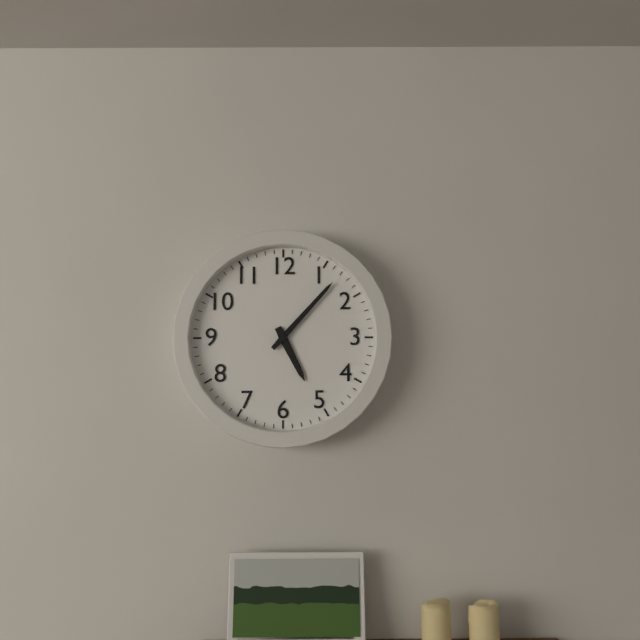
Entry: 5,07
